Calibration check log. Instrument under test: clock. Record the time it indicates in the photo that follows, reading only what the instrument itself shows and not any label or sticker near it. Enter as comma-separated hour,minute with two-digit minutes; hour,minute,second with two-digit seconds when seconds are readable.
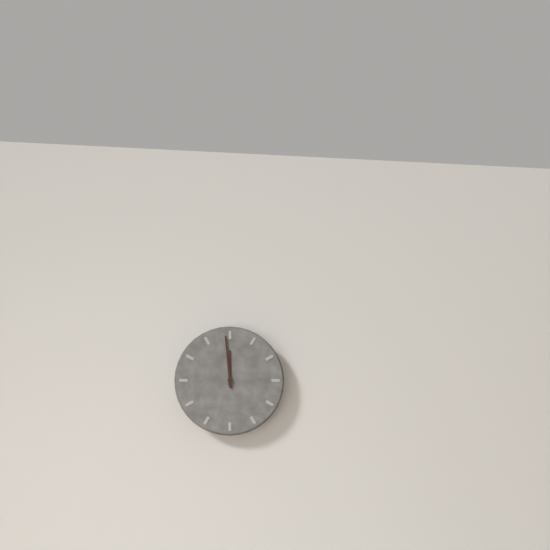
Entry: 11,59
